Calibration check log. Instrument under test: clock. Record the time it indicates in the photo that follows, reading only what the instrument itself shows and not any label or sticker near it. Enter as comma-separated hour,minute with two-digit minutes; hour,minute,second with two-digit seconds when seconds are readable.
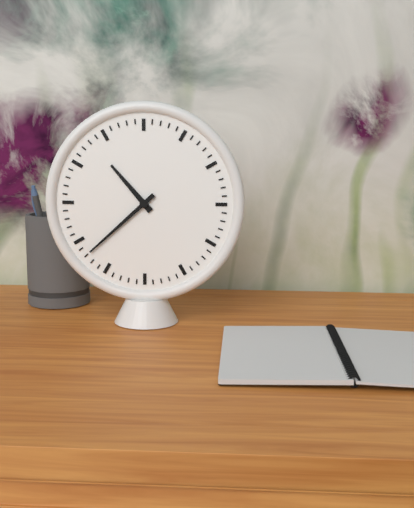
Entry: 10,38
